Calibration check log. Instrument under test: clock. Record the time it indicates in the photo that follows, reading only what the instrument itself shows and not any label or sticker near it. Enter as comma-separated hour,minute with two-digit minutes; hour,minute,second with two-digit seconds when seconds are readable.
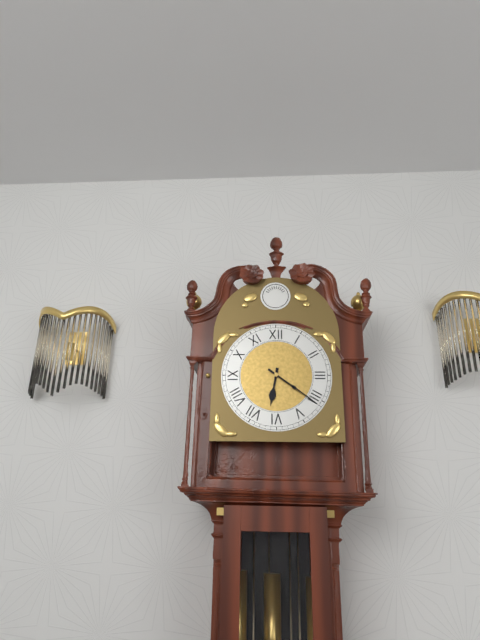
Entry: 6,21
